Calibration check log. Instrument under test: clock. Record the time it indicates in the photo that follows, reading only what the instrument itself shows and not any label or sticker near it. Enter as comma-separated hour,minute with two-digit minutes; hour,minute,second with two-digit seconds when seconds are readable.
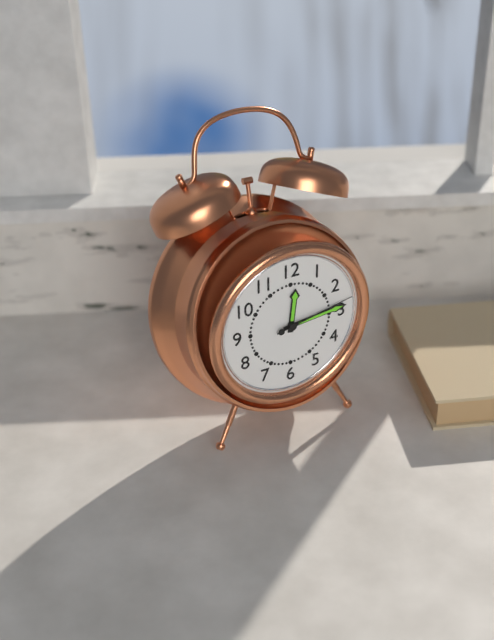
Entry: 12,14,13
